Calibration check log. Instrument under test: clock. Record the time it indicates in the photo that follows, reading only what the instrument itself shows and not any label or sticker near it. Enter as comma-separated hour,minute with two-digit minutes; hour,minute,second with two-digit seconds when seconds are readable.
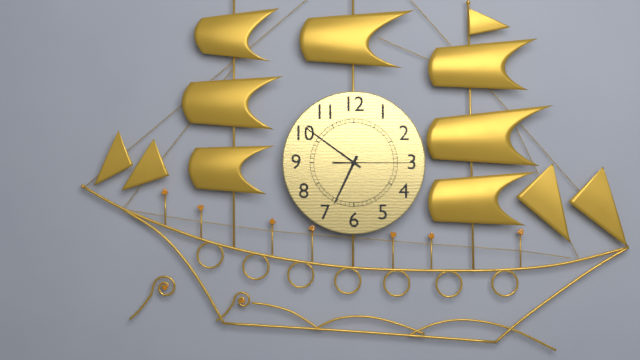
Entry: 6,51,15
